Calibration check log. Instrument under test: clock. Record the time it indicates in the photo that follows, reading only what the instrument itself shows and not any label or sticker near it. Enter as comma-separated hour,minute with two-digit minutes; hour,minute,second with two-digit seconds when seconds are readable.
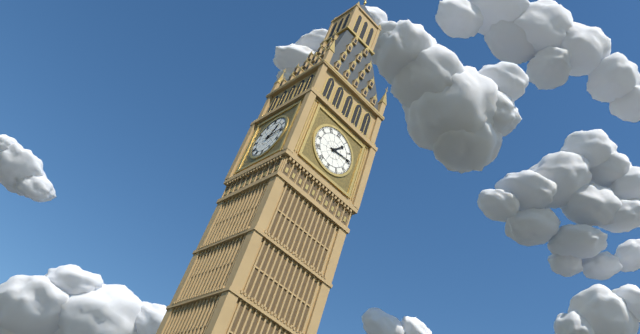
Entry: 1,14
